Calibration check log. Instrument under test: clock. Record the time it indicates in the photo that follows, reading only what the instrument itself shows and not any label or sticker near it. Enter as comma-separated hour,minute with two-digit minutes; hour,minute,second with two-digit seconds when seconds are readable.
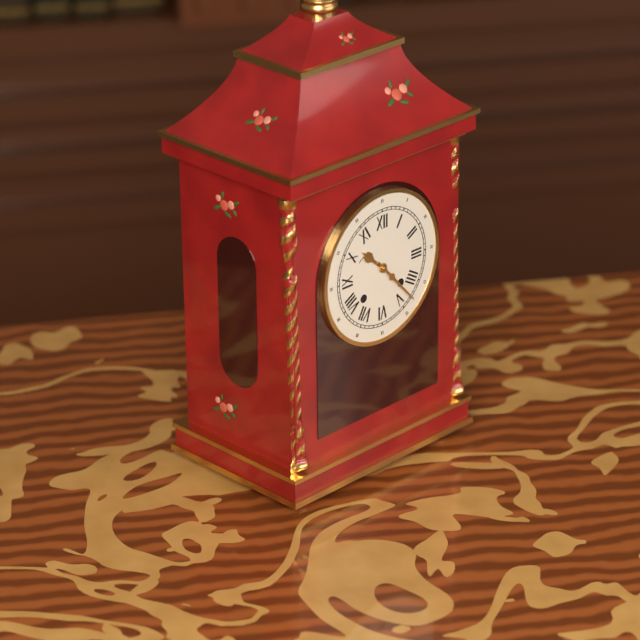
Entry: 10,23
